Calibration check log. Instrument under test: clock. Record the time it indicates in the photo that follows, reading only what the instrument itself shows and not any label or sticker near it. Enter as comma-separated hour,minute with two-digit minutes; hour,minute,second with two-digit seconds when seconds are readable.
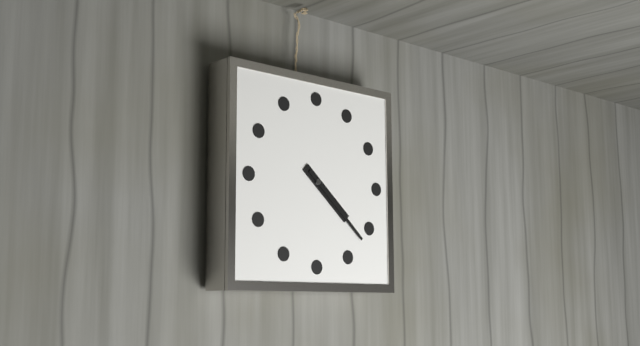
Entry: 4,22
